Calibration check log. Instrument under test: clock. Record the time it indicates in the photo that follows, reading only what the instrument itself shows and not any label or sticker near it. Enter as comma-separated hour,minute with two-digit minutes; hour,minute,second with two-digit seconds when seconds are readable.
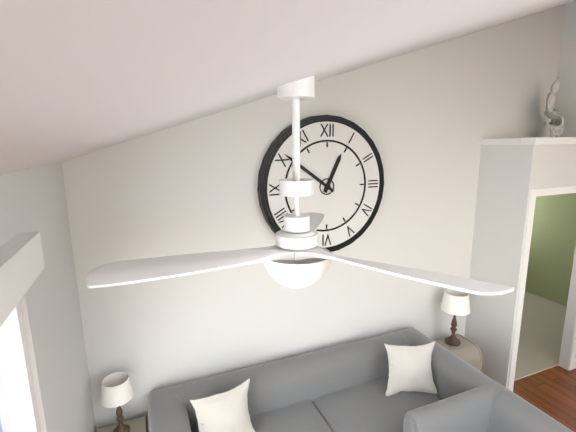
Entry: 12,51
